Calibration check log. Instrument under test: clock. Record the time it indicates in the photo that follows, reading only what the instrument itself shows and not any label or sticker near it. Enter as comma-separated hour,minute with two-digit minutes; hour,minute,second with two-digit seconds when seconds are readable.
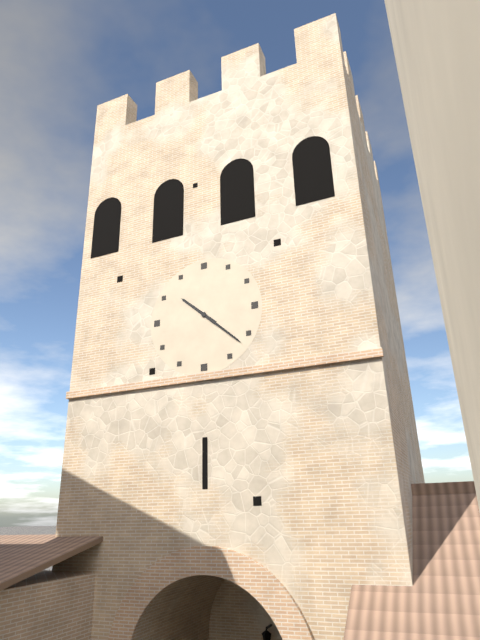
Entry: 10,22
